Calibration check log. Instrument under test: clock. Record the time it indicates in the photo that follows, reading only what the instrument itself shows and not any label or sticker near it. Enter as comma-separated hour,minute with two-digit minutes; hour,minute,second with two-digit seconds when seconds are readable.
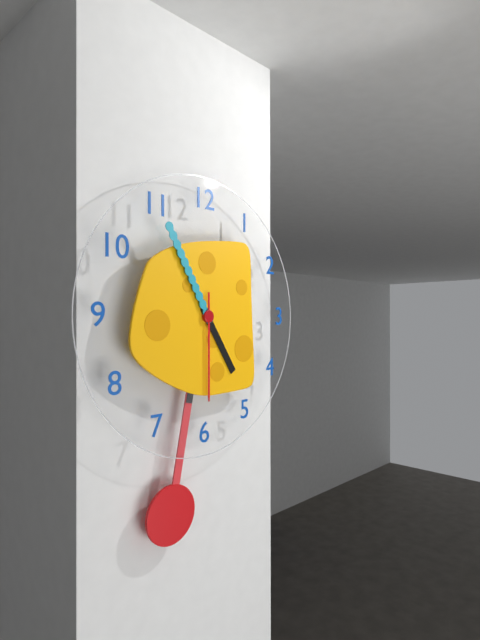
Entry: 4,55,30
